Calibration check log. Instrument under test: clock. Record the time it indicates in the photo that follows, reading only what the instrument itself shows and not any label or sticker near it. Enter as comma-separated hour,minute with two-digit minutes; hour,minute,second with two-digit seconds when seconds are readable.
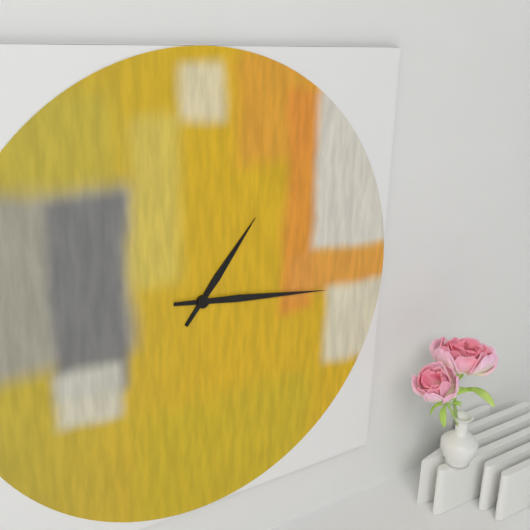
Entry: 1,16
